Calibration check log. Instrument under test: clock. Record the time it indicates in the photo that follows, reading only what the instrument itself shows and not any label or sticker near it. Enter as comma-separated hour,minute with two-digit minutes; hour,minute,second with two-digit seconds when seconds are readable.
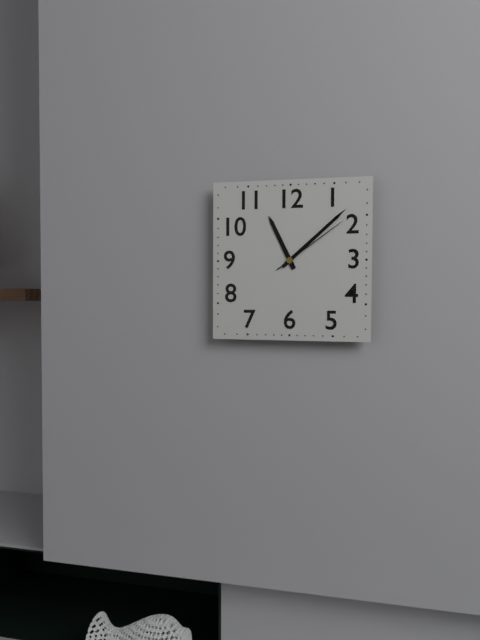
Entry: 11,08,09
